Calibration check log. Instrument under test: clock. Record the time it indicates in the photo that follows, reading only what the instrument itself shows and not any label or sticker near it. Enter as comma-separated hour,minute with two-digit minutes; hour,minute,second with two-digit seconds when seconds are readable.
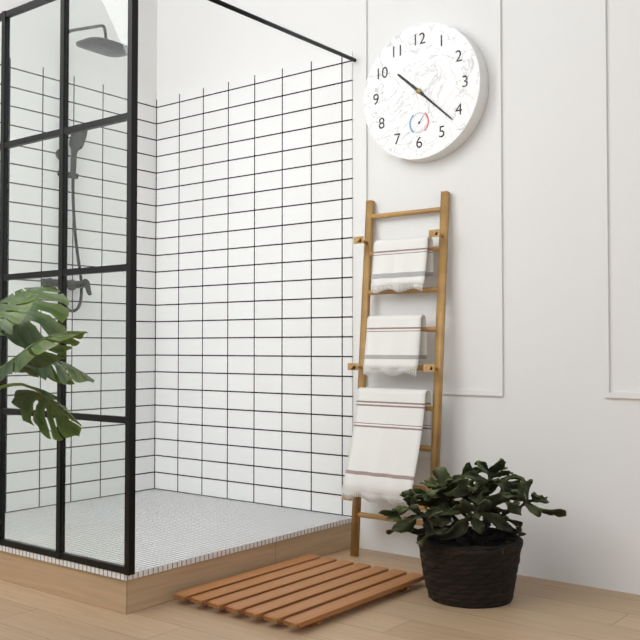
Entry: 10,22
